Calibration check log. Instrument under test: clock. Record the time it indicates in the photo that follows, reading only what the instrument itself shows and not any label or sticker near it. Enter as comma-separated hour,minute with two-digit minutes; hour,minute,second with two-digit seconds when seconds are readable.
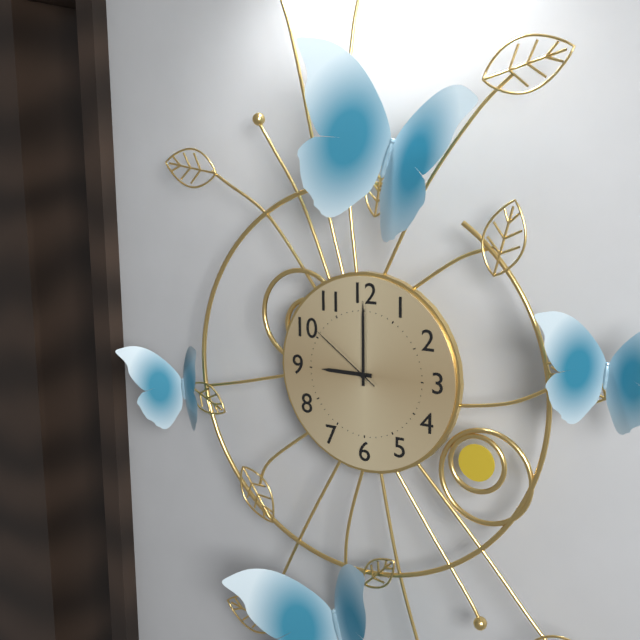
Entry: 9,00,51
